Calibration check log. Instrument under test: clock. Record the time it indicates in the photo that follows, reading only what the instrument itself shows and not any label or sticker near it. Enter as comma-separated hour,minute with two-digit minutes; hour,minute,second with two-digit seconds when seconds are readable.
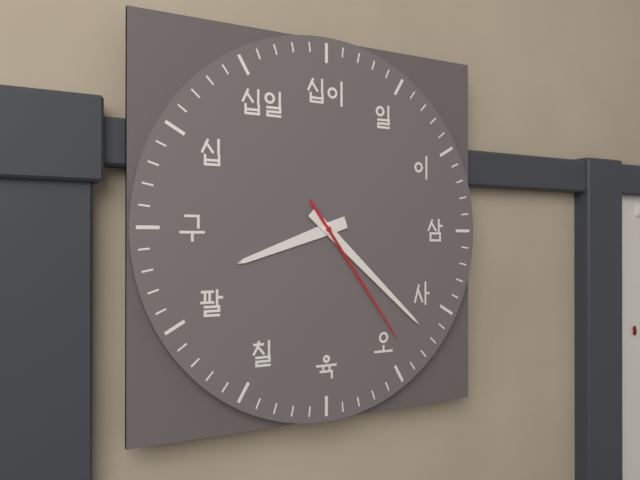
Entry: 8,22,24
